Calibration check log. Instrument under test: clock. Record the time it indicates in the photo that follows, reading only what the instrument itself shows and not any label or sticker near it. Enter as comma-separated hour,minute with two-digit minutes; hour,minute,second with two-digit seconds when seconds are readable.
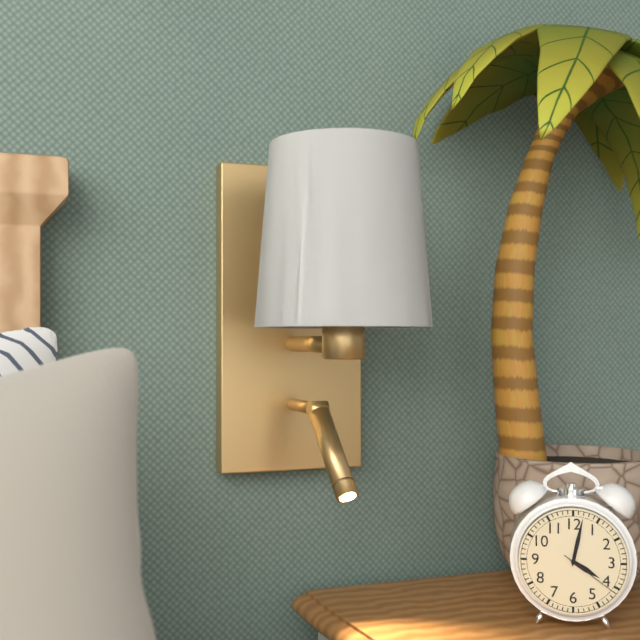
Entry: 4,02,21
